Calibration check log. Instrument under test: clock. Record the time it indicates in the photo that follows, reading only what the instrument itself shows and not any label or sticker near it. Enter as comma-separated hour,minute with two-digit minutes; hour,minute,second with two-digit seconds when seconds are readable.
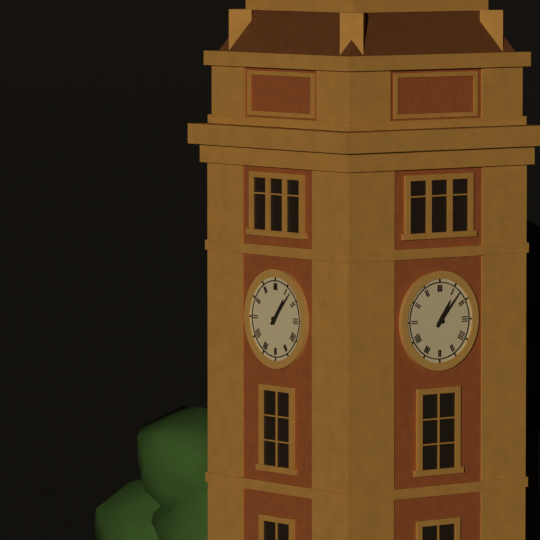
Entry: 1,07
